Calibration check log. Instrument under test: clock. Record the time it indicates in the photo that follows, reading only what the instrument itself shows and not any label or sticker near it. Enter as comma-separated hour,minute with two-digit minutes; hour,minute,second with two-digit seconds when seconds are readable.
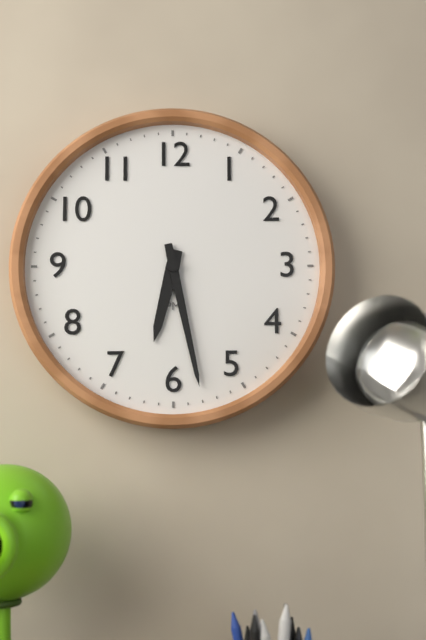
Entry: 6,28
